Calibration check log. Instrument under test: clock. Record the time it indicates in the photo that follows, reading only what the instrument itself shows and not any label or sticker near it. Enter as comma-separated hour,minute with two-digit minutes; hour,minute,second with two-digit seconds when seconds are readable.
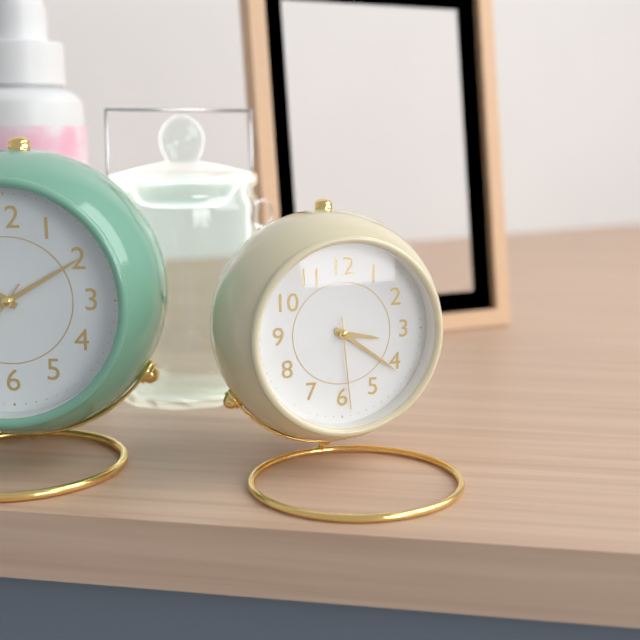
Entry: 3,21,29
